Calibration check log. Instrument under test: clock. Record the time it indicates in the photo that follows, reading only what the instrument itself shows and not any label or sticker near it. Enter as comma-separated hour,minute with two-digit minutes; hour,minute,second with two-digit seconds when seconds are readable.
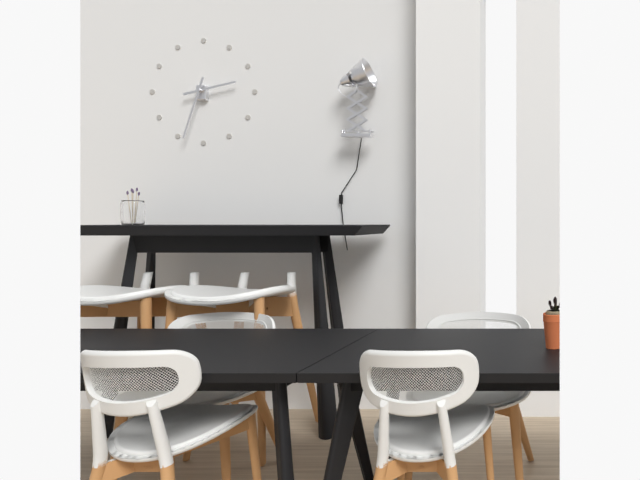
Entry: 2,33
